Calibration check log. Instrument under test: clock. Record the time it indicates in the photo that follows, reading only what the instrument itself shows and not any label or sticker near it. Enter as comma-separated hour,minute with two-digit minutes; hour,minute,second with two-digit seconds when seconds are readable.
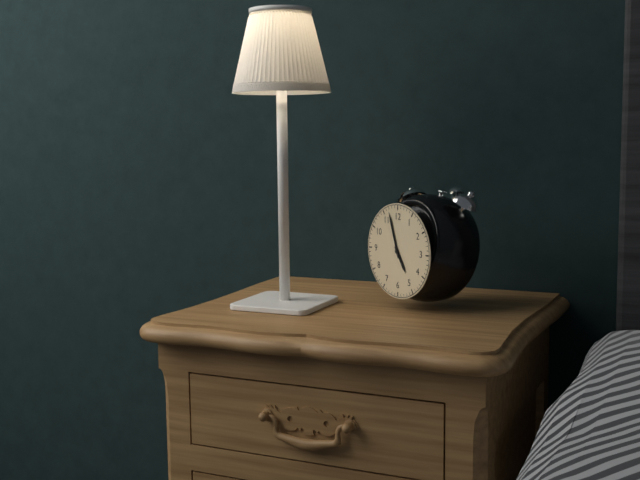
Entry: 4,57
